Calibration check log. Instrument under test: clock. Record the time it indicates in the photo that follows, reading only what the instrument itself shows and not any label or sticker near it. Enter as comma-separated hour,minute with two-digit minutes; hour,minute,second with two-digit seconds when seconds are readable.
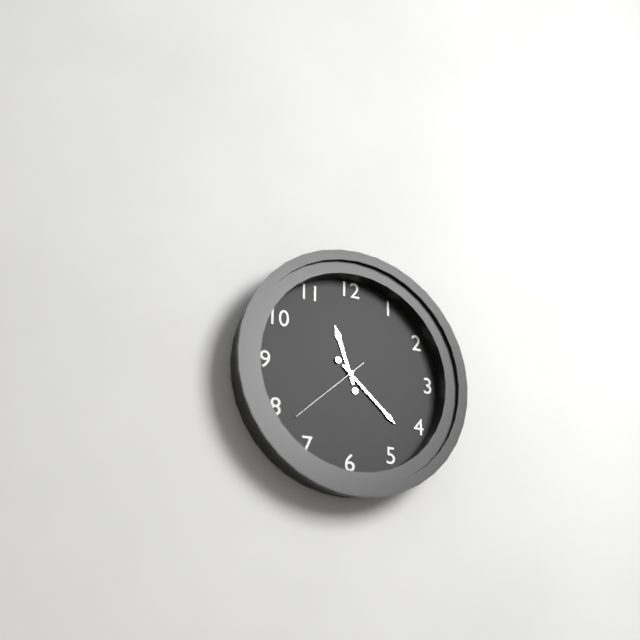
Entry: 11,22,38
